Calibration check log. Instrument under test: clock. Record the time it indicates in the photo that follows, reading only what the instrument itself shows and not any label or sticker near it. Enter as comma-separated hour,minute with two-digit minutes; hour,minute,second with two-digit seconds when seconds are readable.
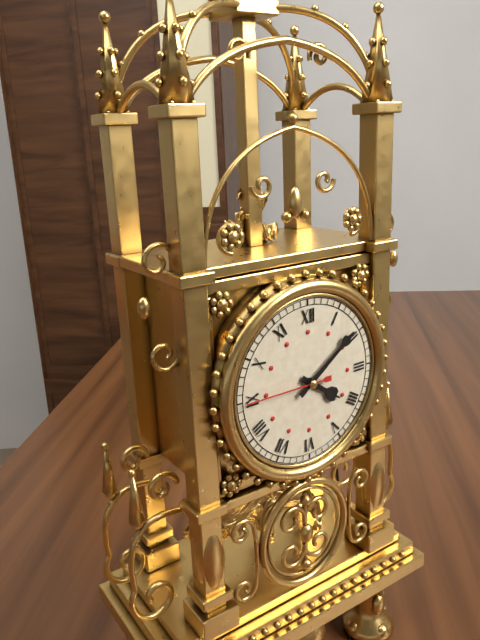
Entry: 4,09,45
